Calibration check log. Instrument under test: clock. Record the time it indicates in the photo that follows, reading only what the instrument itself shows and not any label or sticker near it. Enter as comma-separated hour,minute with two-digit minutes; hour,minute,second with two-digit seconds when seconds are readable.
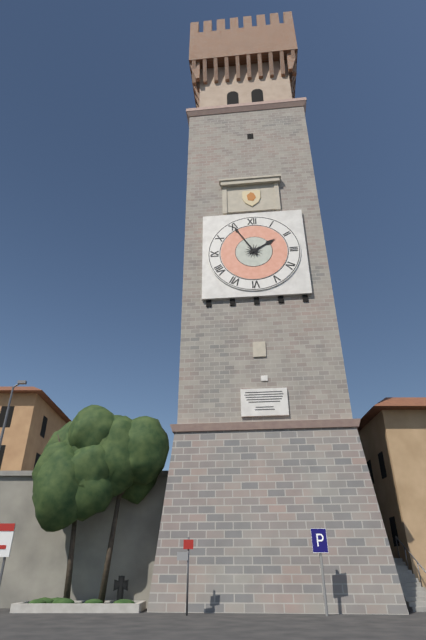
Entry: 1,55
